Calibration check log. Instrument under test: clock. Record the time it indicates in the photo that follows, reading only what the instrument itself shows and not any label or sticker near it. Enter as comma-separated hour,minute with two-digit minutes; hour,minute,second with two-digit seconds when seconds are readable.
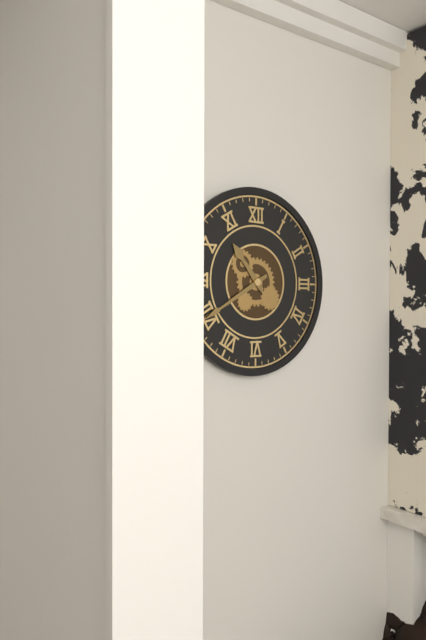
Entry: 10,40
